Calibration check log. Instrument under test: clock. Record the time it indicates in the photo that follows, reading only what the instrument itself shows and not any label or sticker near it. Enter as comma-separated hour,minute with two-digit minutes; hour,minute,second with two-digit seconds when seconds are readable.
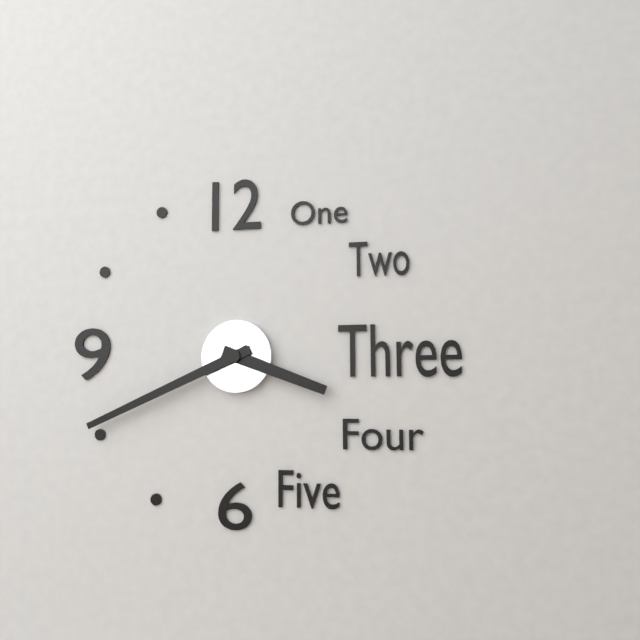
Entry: 3,41
